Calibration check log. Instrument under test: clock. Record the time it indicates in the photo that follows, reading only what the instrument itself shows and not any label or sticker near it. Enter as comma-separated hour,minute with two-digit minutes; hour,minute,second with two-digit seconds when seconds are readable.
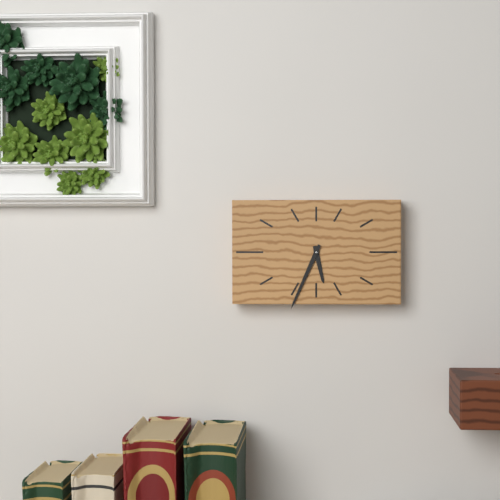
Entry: 5,34
